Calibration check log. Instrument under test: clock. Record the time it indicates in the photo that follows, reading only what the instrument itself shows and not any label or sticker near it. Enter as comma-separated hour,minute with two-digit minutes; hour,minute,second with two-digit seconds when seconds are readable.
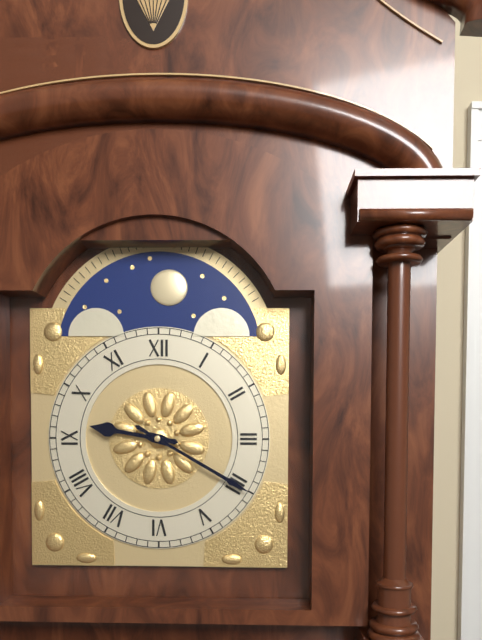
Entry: 9,20
